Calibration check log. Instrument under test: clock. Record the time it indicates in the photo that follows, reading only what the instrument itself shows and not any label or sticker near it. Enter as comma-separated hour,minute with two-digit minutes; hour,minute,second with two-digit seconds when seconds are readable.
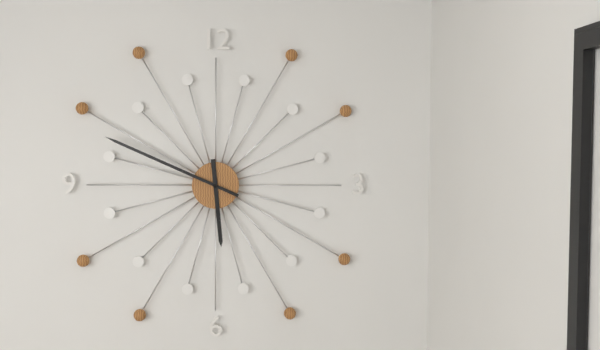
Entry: 5,49
